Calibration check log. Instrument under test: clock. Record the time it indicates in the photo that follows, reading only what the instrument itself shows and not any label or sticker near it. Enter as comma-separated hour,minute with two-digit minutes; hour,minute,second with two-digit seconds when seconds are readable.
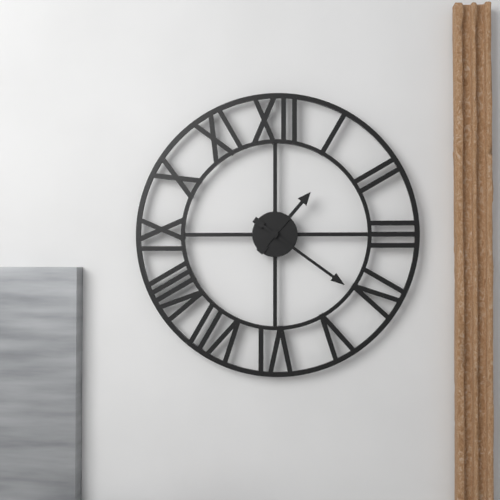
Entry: 1,21
